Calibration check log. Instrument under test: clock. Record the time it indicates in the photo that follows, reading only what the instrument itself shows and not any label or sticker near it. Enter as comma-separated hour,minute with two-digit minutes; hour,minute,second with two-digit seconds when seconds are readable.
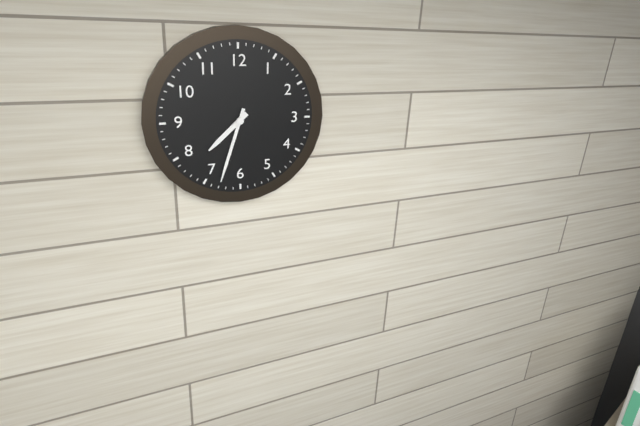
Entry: 7,33
